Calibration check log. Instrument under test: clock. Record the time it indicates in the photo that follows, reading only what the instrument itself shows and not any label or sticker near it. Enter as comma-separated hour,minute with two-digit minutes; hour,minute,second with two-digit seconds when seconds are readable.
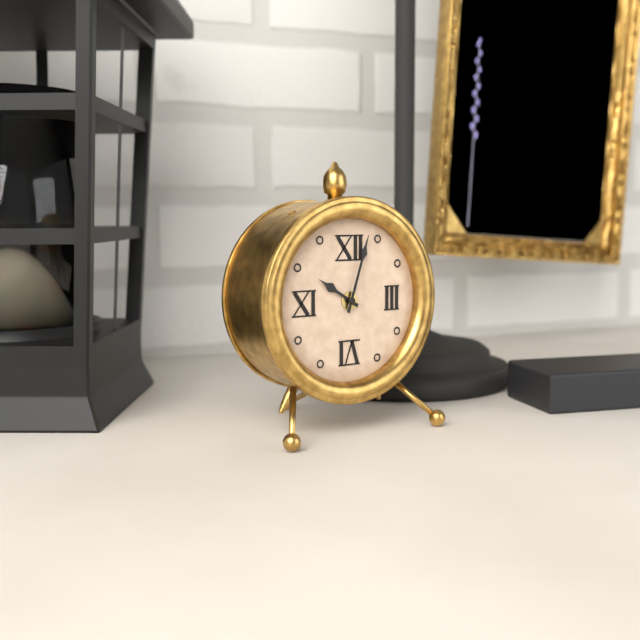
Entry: 10,03
